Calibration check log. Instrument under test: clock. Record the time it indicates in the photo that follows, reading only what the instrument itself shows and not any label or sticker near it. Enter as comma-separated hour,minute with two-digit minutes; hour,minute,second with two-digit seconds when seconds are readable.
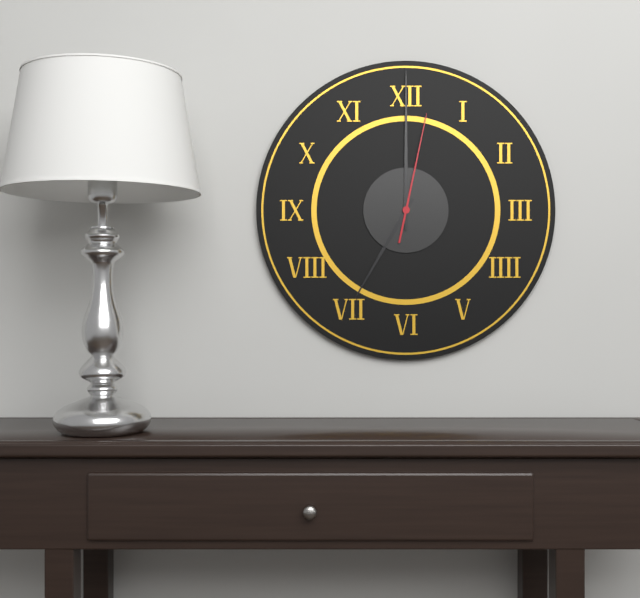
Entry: 7,00,02
